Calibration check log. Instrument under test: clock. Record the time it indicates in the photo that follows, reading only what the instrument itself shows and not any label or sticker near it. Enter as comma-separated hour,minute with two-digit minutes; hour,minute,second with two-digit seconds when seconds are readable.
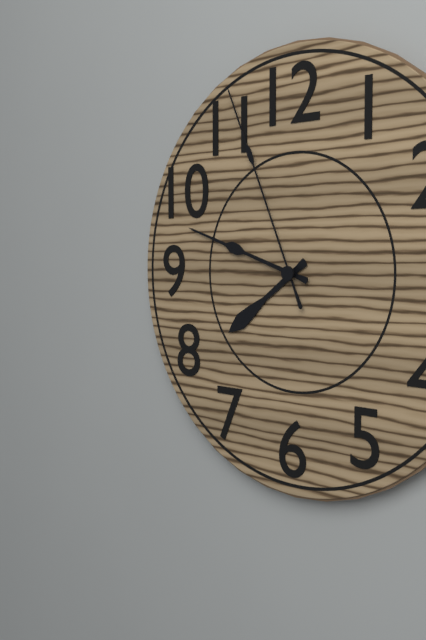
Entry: 7,48,56
